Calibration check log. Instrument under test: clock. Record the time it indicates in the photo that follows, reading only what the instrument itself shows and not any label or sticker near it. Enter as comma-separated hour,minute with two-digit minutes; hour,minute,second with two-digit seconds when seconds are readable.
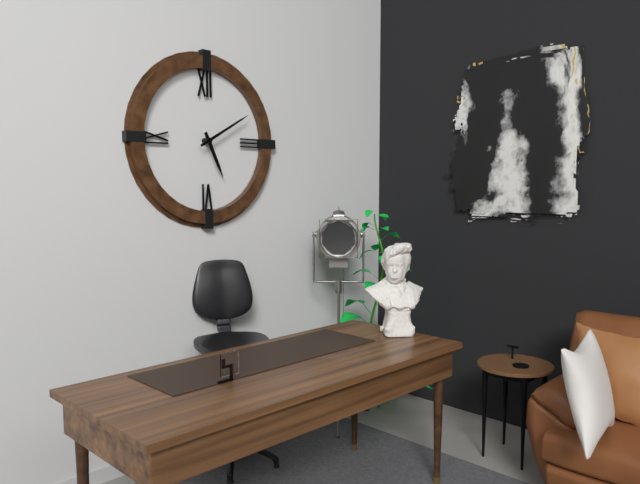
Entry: 5,10
